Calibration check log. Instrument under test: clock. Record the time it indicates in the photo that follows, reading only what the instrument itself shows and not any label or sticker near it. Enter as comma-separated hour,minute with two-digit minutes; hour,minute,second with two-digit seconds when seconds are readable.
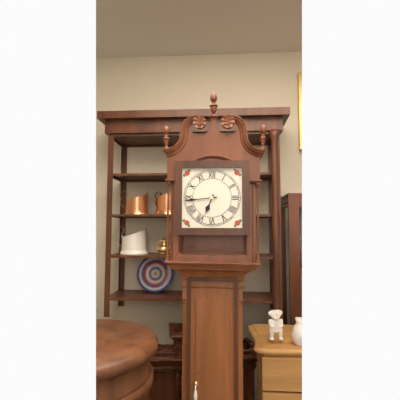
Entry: 6,44
